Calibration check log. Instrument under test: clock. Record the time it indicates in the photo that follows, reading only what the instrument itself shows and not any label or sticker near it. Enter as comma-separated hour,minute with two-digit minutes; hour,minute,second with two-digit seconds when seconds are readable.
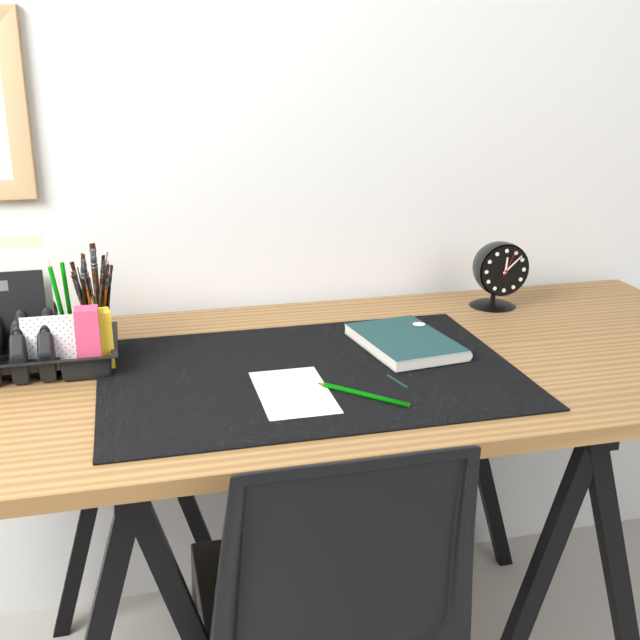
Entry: 12,08
